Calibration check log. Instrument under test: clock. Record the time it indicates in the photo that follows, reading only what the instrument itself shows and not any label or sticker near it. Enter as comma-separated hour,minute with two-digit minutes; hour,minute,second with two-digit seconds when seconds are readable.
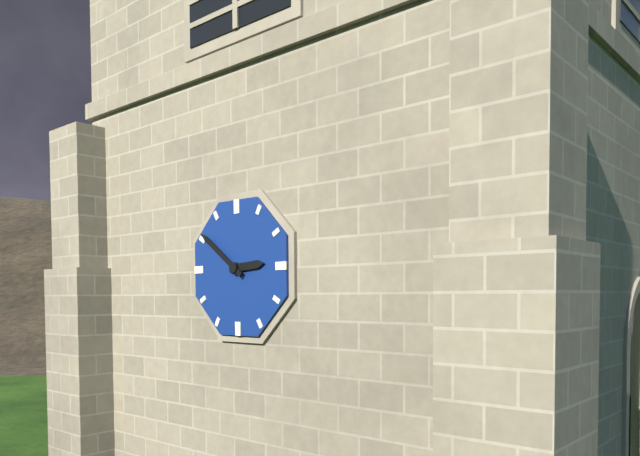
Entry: 2,51
